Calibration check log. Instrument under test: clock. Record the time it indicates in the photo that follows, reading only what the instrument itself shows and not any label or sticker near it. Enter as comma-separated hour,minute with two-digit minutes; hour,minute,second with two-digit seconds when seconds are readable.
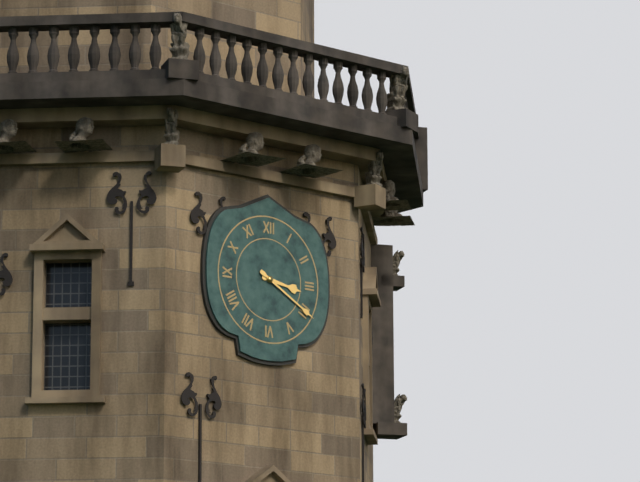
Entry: 3,20
